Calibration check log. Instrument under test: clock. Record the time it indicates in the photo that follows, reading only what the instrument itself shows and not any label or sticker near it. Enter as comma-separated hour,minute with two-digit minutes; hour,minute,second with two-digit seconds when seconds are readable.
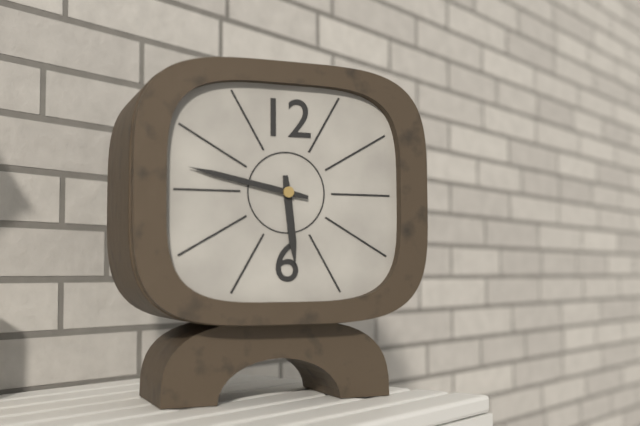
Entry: 5,47
